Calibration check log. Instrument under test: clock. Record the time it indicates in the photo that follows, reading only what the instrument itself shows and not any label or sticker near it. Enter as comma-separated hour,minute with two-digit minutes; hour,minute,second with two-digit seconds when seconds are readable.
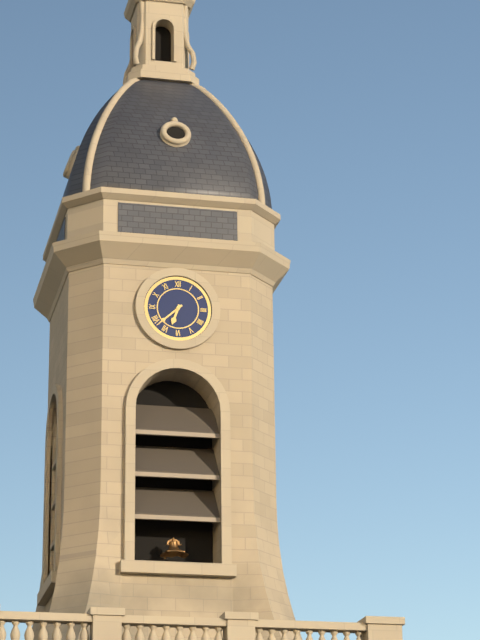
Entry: 6,38
